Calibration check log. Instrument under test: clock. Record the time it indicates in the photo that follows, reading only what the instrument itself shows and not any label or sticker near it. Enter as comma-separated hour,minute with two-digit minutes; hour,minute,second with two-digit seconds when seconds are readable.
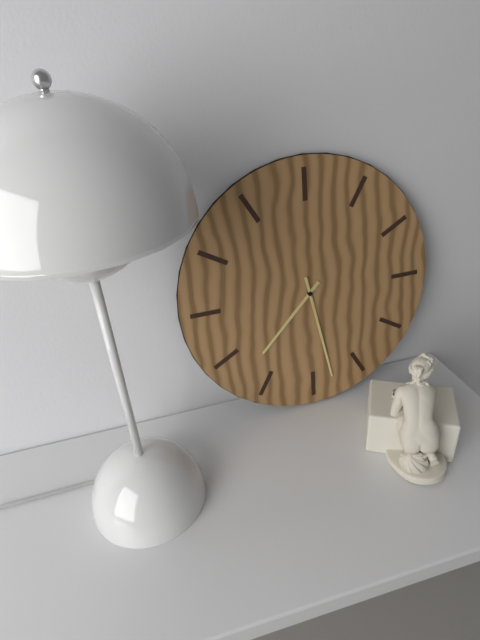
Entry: 7,28
